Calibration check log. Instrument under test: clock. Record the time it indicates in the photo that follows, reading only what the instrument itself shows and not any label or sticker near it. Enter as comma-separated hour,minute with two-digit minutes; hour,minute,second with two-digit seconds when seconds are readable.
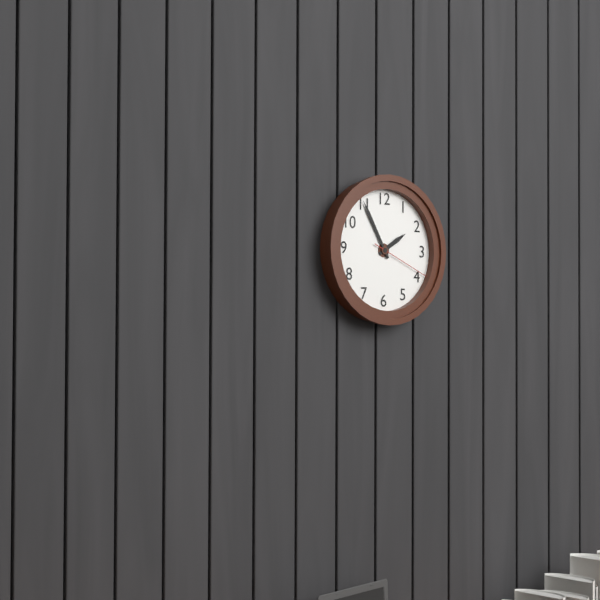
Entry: 1,55,19
